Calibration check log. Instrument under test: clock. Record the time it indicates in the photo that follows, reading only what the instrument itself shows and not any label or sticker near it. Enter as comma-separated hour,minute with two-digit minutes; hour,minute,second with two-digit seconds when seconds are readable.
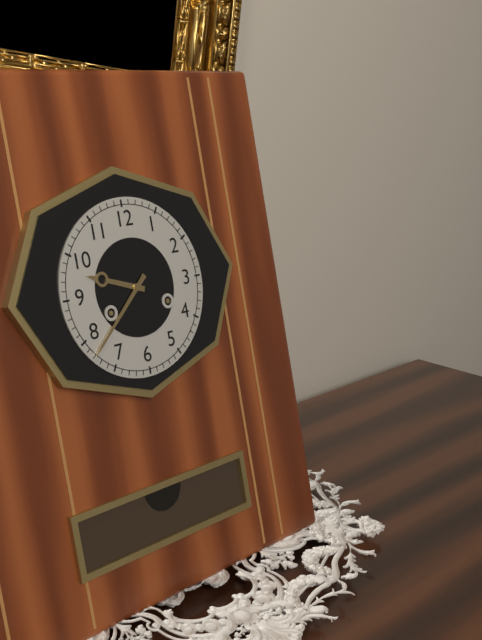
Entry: 9,38
